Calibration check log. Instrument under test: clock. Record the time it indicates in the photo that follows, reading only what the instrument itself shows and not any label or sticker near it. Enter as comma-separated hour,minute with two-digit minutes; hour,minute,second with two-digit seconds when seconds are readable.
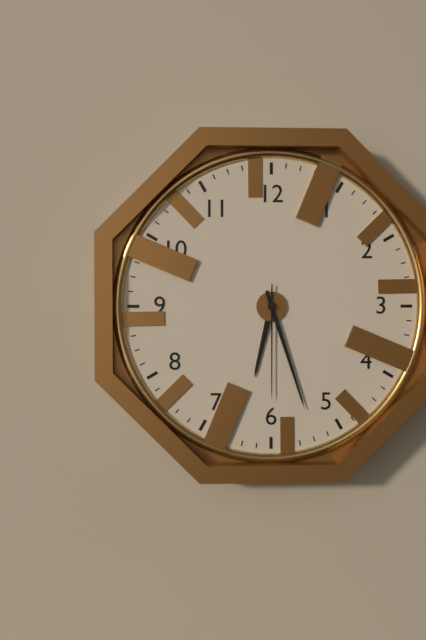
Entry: 6,27,30
